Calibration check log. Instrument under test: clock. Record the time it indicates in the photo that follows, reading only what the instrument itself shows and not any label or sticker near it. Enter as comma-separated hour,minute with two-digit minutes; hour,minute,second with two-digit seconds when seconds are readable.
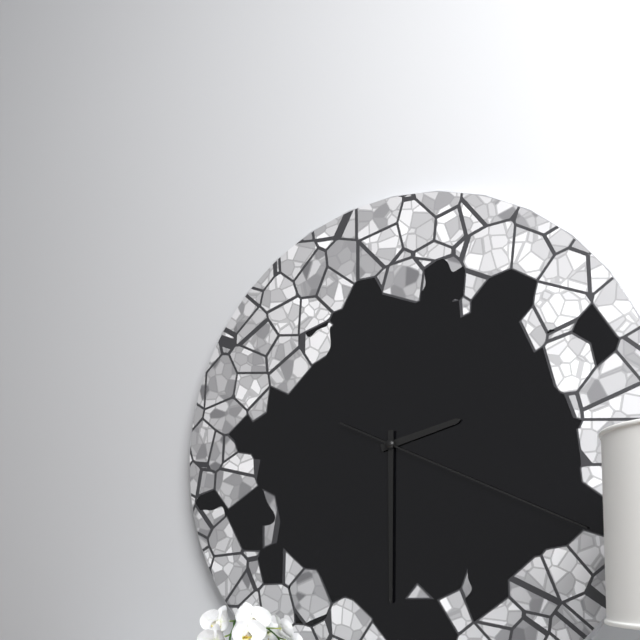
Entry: 2,30,19
